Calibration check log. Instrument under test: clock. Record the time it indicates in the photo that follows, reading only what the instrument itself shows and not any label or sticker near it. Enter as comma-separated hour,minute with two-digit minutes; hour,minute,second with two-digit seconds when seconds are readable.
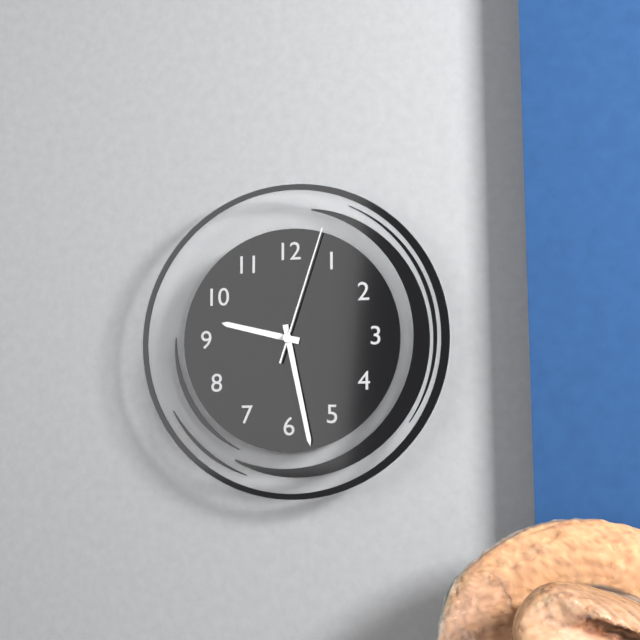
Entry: 9,28,03
